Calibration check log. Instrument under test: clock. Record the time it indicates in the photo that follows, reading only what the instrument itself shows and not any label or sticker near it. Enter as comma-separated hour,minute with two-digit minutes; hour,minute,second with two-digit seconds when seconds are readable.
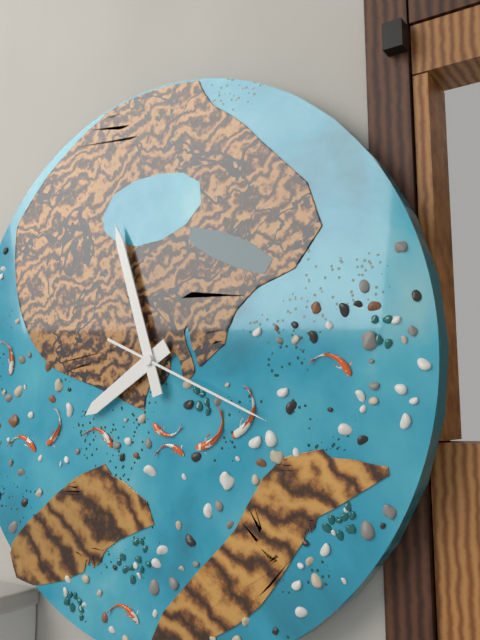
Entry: 7,57,19
